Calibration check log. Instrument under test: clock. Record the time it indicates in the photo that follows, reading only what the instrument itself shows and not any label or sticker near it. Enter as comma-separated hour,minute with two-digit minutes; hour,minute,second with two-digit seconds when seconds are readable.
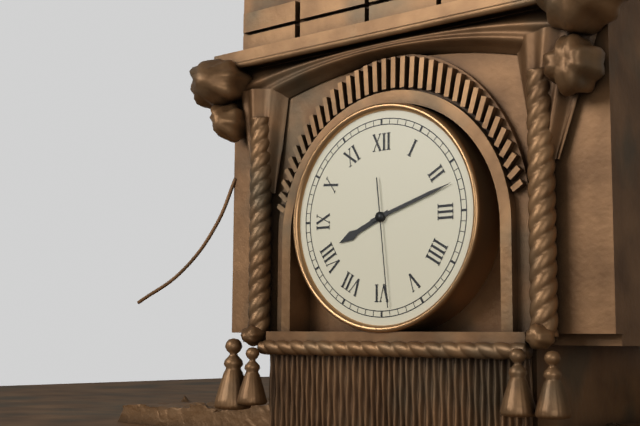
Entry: 8,12,29
